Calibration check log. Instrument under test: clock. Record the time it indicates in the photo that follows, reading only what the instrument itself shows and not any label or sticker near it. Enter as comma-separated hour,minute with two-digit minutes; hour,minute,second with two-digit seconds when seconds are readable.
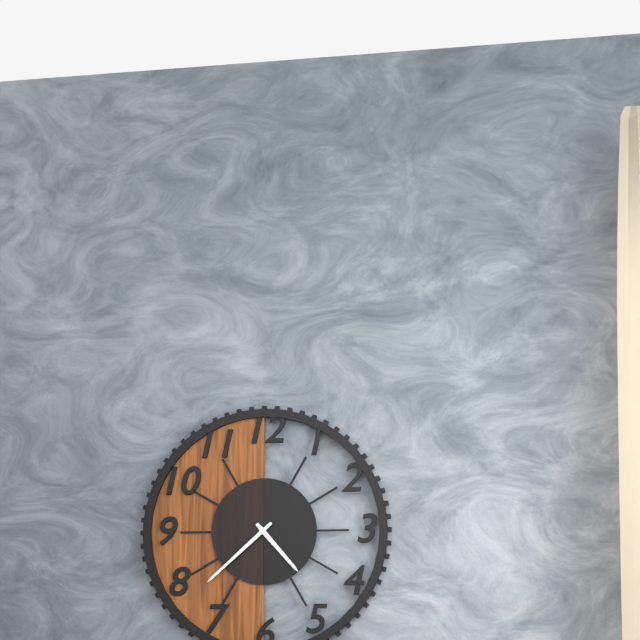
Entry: 4,38
